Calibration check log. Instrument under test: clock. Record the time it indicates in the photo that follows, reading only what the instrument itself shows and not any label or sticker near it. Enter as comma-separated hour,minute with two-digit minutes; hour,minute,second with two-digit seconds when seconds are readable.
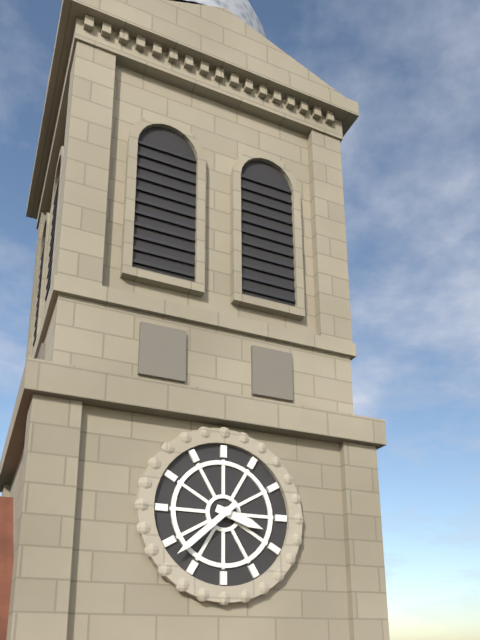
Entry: 3,38
